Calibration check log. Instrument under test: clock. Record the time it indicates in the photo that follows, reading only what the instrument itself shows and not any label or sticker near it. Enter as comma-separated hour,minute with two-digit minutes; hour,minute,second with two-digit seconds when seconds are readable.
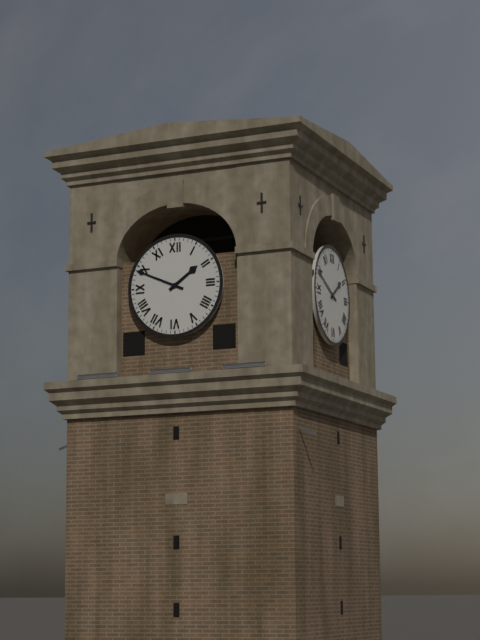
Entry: 1,49
